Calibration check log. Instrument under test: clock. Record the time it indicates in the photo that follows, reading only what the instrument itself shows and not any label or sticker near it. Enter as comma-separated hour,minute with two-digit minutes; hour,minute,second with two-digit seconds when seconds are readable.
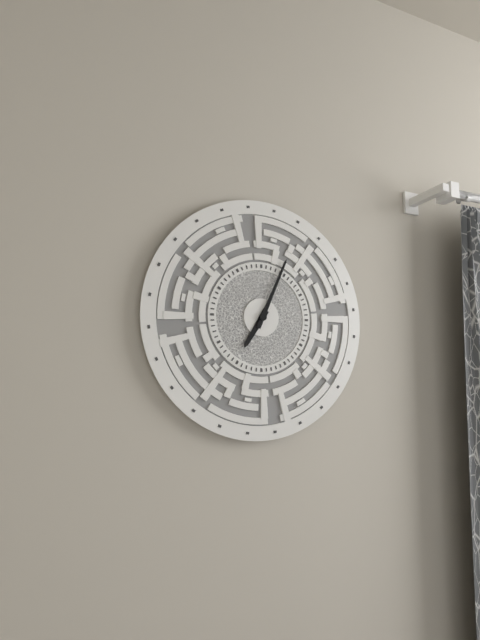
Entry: 7,04
